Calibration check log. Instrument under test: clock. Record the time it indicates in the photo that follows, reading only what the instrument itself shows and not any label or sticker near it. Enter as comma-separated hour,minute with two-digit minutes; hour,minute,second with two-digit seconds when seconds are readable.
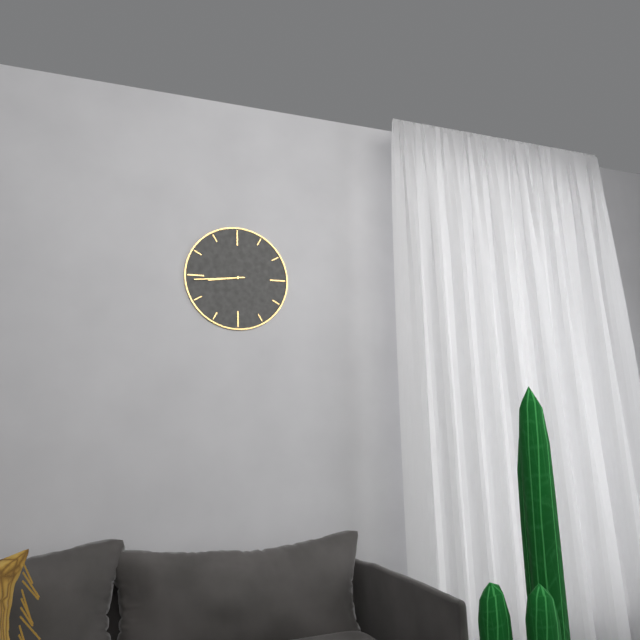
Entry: 8,44
